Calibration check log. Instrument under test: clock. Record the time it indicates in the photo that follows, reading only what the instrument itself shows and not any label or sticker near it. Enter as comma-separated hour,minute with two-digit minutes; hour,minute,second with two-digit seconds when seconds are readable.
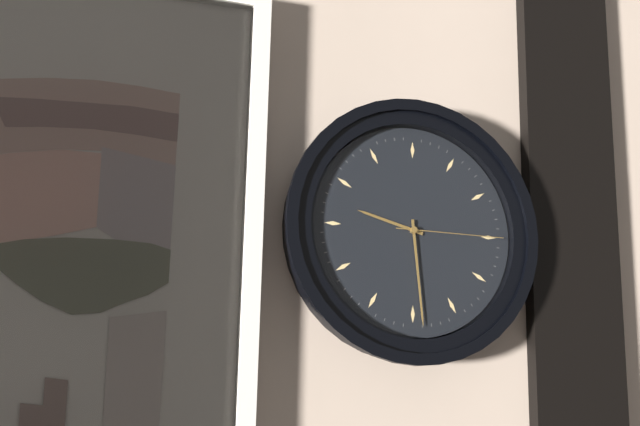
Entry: 9,29,15
